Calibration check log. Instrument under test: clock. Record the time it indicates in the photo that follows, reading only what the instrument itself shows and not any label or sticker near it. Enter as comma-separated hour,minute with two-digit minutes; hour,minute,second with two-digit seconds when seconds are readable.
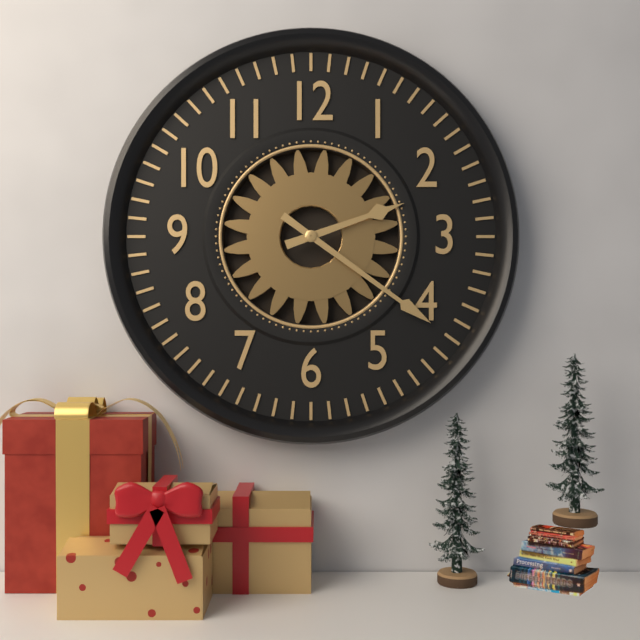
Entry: 2,21
